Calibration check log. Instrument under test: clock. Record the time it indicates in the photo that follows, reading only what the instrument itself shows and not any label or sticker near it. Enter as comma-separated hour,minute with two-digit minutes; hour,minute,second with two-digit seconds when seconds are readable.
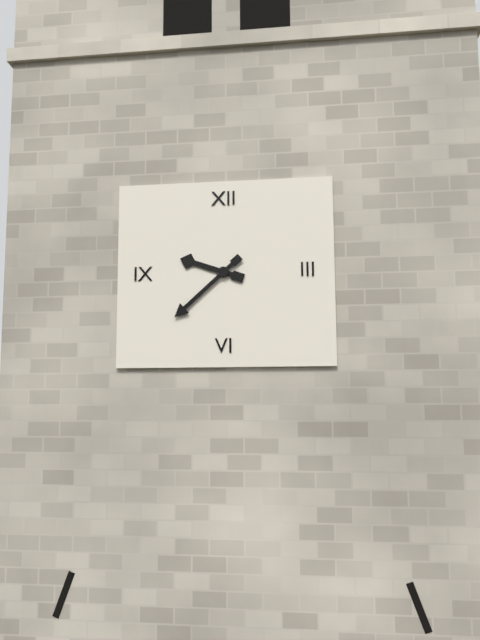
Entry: 9,38
